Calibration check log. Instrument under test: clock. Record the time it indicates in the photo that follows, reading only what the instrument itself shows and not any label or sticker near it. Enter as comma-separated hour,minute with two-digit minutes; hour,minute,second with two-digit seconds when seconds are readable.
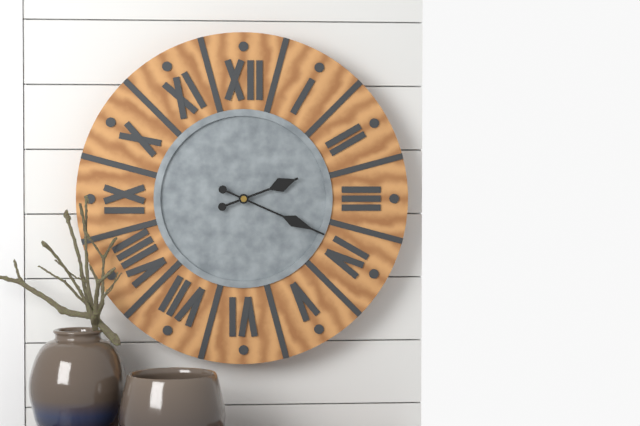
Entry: 2,19
